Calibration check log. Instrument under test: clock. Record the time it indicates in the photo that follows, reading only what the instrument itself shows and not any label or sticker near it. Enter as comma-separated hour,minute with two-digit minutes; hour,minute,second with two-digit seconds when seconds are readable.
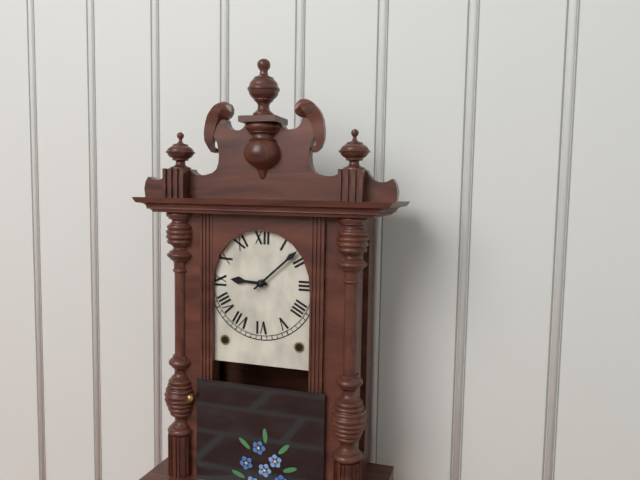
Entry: 9,08
